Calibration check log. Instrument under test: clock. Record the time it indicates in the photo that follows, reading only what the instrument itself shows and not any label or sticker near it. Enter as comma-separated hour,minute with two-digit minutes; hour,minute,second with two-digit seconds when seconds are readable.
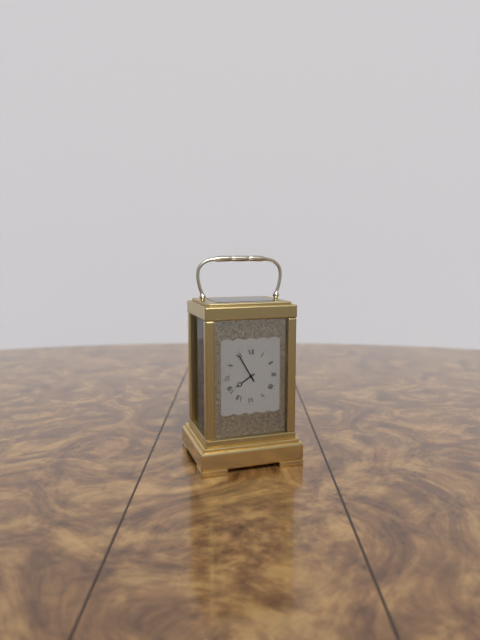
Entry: 7,55
